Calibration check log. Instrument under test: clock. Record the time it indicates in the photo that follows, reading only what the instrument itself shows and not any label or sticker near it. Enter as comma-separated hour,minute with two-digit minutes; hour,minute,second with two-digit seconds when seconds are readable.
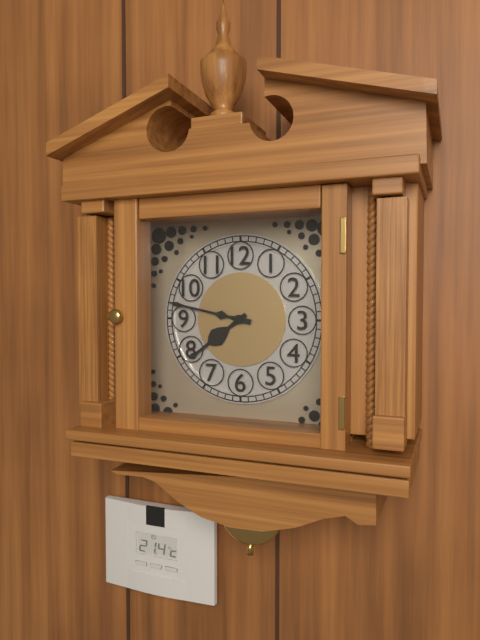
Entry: 7,47
